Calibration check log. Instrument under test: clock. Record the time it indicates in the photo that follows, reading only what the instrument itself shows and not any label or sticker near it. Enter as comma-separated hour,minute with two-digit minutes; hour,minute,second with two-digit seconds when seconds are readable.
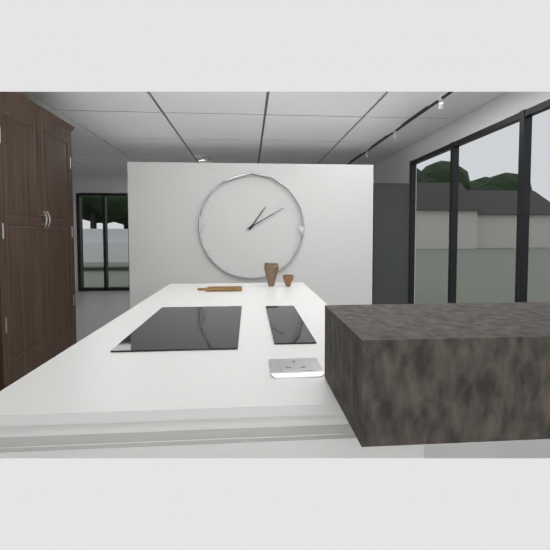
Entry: 1,10
